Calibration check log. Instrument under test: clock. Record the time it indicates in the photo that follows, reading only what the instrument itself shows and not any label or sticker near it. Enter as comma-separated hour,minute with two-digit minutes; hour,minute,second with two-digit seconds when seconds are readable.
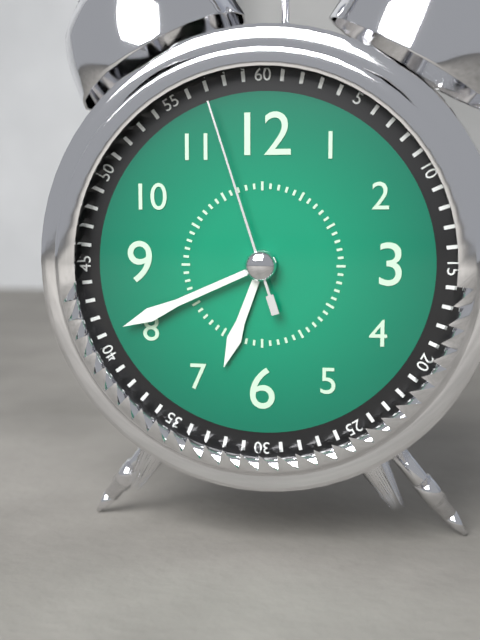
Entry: 6,41,57
